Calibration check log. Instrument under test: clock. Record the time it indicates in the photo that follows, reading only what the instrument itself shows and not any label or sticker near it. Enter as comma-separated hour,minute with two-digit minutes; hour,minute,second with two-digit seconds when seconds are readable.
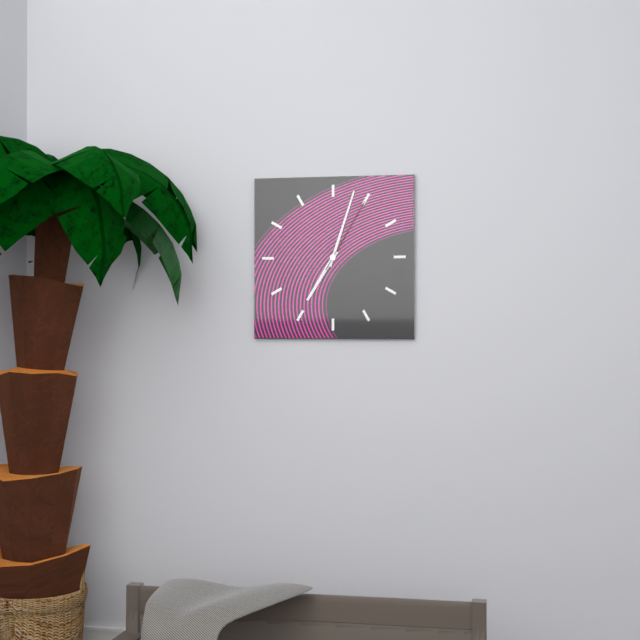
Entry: 7,03,05
